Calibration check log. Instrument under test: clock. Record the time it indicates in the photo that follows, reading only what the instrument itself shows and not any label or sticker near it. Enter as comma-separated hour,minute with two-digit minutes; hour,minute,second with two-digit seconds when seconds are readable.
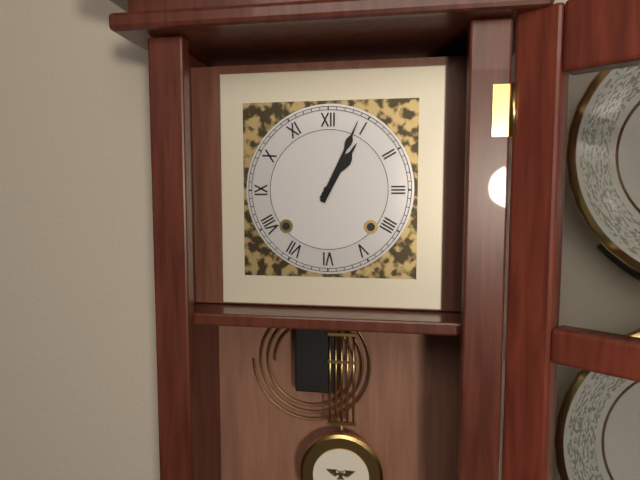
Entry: 1,04
